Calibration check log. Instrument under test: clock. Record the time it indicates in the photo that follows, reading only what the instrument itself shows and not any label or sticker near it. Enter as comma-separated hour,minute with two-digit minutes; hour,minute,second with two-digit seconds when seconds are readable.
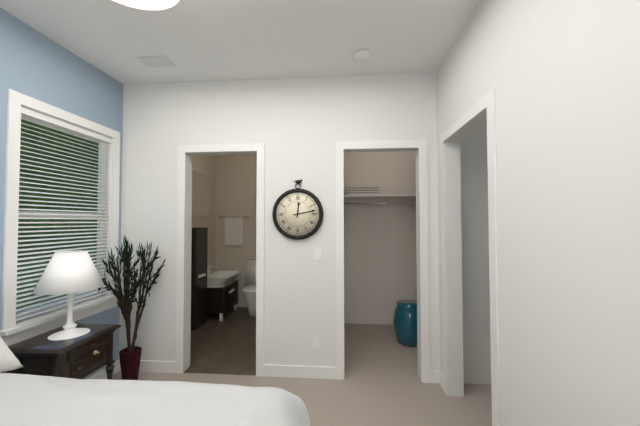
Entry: 12,13
